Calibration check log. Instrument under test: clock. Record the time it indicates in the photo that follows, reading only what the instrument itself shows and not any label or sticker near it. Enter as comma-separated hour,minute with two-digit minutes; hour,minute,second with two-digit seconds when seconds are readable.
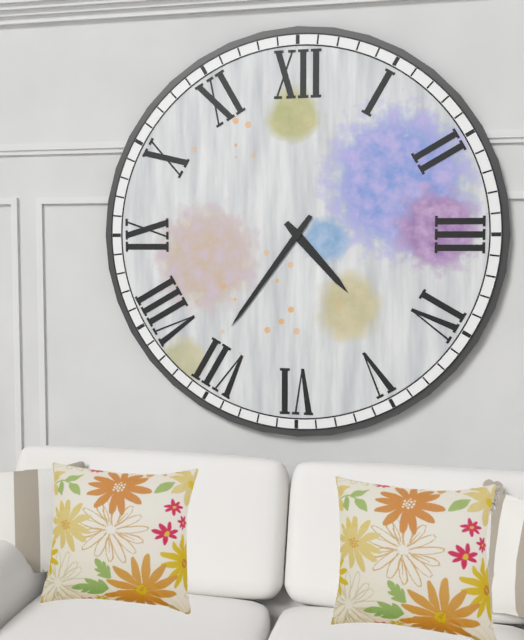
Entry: 4,36
